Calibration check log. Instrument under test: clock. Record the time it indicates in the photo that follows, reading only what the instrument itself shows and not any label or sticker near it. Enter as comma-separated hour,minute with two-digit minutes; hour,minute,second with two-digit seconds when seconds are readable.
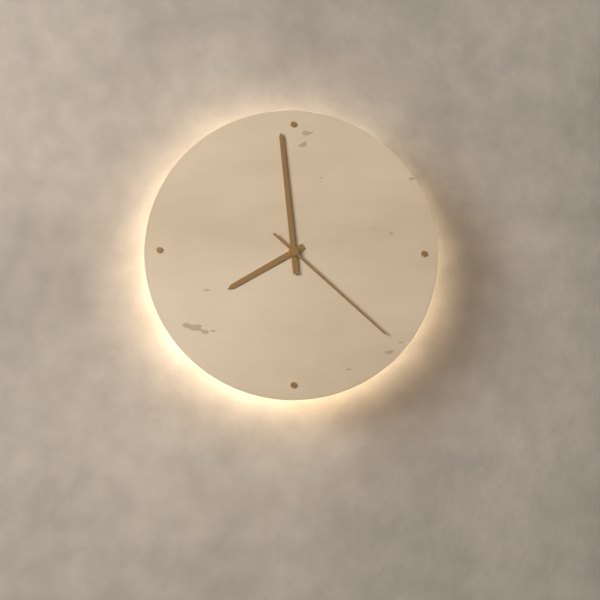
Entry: 7,59,22
